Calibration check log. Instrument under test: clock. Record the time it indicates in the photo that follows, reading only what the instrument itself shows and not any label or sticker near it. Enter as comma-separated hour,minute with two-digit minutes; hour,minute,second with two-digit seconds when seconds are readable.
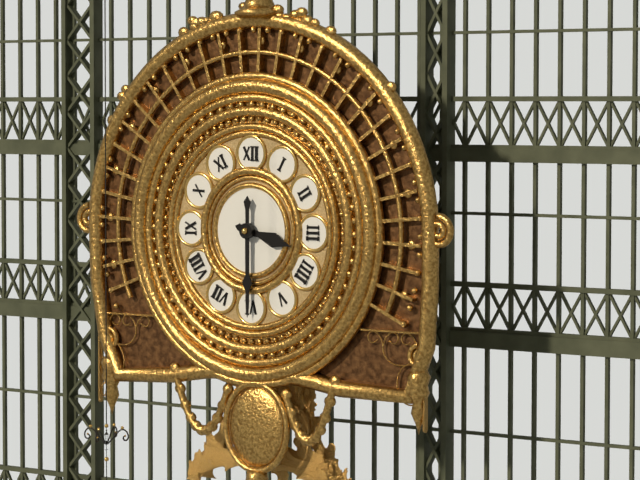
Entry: 3,30
